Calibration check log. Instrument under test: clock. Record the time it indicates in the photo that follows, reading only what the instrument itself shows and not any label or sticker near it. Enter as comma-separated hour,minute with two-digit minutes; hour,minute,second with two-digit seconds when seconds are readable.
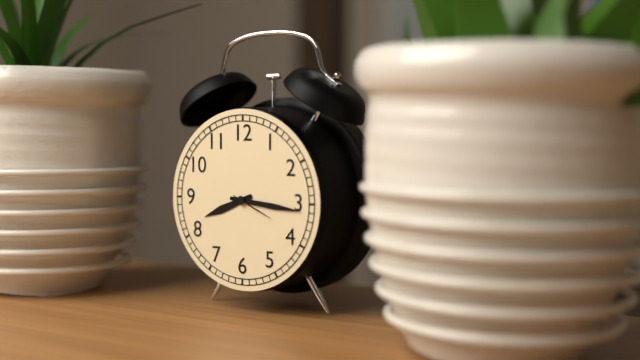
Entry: 8,16
